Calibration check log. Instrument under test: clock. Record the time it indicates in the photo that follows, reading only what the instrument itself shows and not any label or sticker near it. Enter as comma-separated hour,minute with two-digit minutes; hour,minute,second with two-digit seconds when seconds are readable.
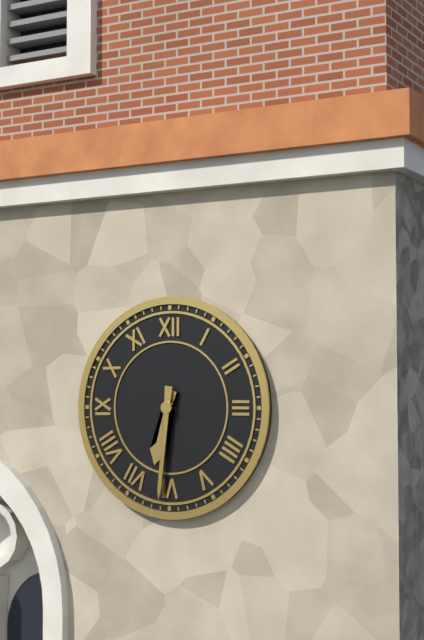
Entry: 6,31
